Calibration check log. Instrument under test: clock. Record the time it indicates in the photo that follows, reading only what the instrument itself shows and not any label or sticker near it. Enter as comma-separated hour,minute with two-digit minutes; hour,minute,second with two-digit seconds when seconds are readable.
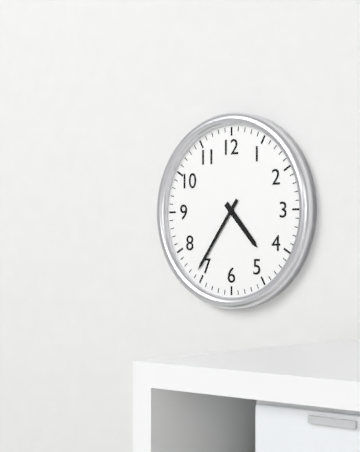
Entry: 4,36
